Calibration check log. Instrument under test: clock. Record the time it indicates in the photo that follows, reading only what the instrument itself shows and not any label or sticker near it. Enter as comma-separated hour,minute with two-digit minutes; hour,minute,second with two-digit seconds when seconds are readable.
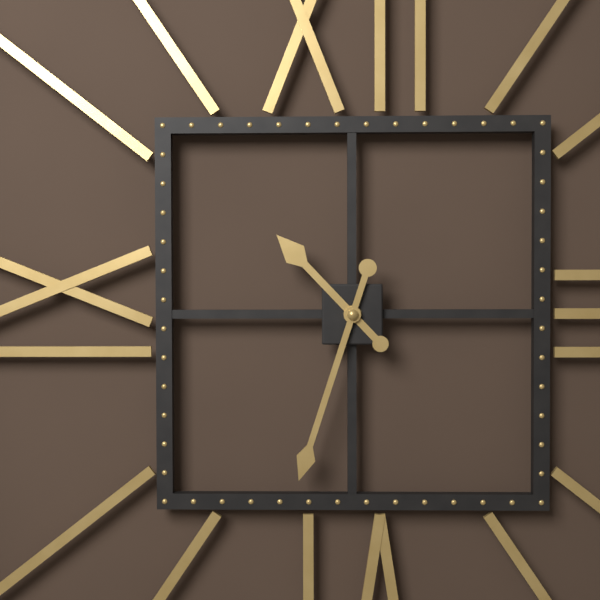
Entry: 10,33
